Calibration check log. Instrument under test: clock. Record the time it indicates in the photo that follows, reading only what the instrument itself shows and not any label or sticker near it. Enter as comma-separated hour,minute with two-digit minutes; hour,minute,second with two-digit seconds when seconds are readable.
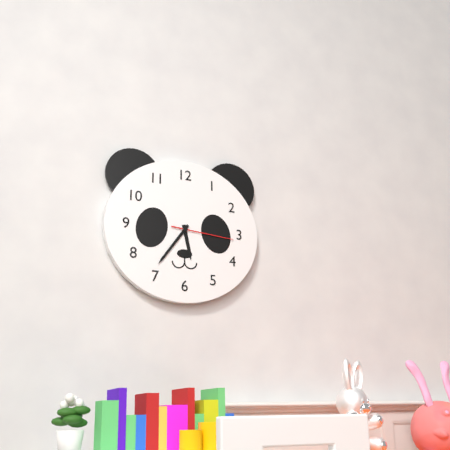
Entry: 5,36,16
